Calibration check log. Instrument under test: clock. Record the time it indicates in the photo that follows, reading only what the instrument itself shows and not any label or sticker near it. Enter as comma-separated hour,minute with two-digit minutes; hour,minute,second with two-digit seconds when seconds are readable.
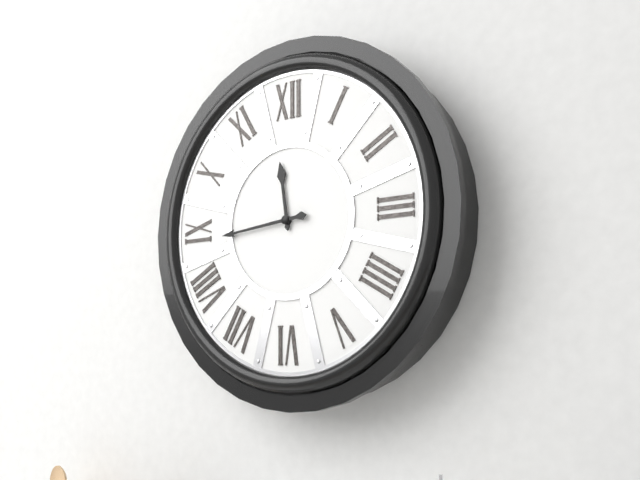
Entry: 11,44
